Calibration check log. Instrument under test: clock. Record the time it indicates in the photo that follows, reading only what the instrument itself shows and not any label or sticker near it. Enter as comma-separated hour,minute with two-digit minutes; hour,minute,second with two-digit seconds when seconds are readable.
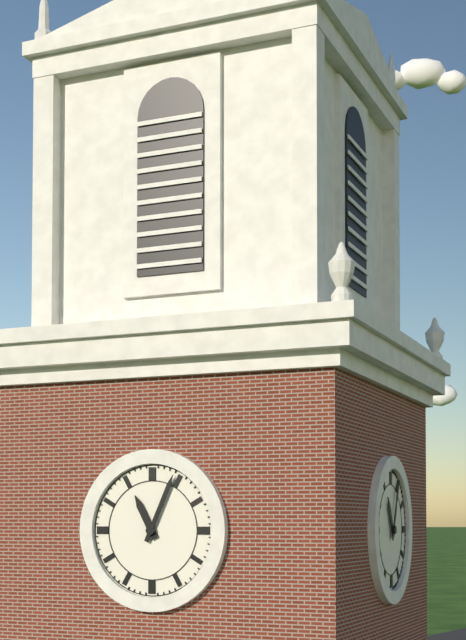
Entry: 11,04
